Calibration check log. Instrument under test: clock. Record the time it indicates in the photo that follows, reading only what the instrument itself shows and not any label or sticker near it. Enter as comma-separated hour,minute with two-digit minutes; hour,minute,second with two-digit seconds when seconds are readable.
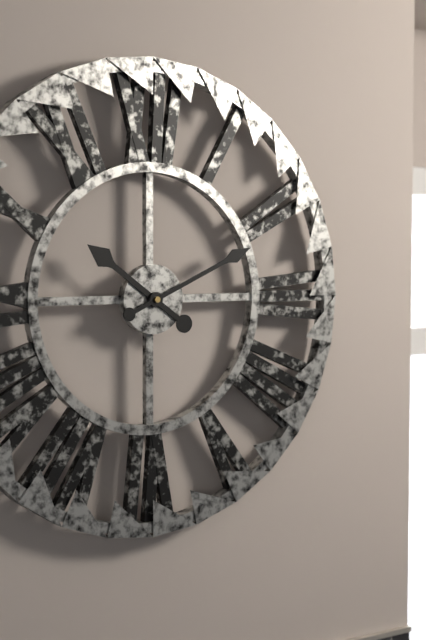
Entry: 10,11
